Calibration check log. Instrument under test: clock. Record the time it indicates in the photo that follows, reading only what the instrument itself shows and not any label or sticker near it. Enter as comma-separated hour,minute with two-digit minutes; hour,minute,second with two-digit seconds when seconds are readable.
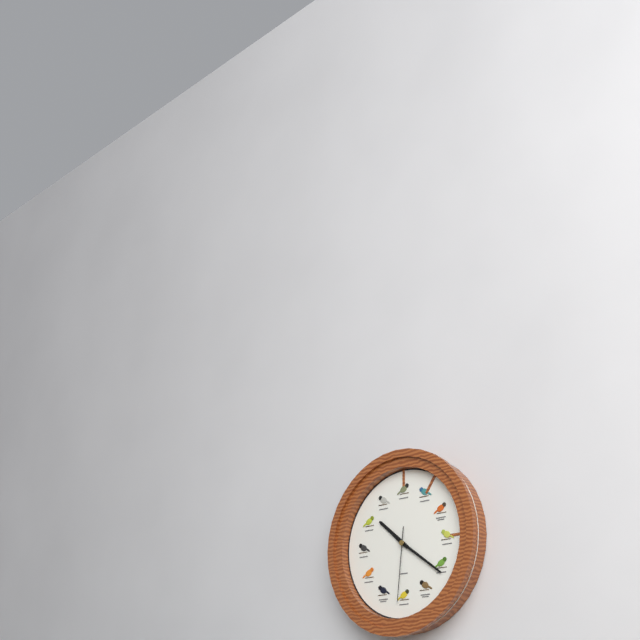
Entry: 10,21,31
